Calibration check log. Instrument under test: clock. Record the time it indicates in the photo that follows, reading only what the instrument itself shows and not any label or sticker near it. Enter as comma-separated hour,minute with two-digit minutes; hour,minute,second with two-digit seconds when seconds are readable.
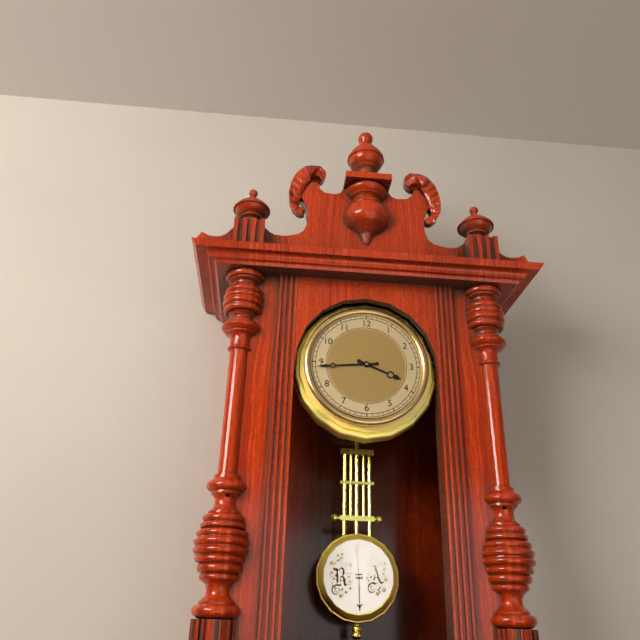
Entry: 3,44
